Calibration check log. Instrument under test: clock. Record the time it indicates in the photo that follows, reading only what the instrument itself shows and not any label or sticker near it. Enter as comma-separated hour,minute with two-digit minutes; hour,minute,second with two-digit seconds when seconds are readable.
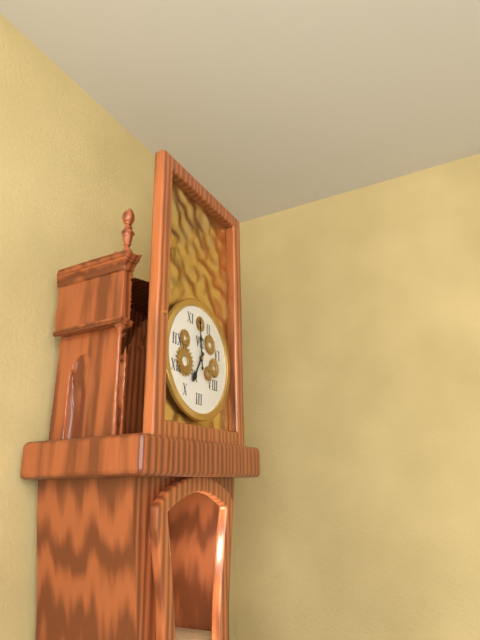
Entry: 6,59
